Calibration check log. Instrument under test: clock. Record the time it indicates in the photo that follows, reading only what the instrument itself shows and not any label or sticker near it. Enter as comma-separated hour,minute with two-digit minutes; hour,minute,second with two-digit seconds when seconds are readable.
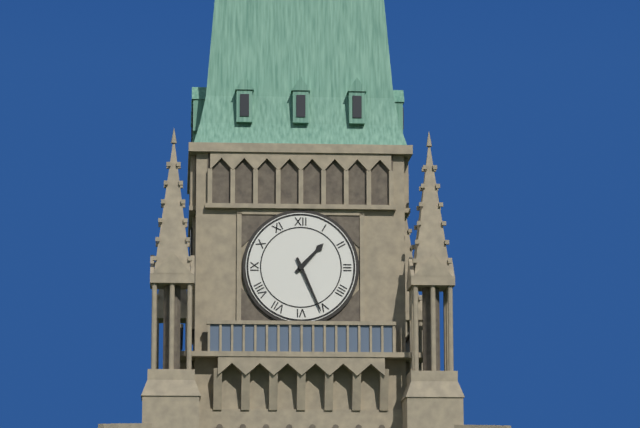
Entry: 1,26
